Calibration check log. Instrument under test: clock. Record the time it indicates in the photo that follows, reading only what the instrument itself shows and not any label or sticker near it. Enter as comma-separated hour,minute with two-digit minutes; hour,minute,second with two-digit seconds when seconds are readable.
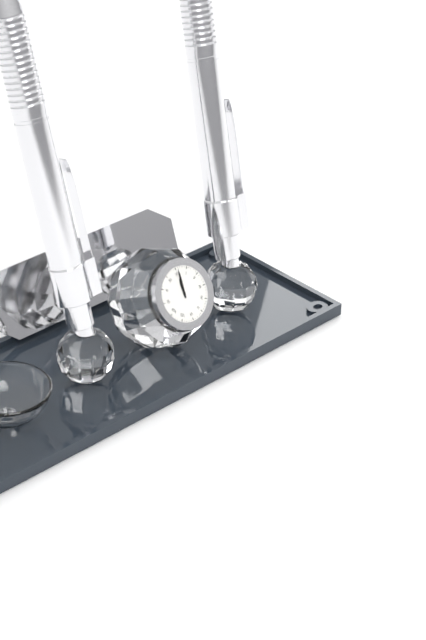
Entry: 12,01
